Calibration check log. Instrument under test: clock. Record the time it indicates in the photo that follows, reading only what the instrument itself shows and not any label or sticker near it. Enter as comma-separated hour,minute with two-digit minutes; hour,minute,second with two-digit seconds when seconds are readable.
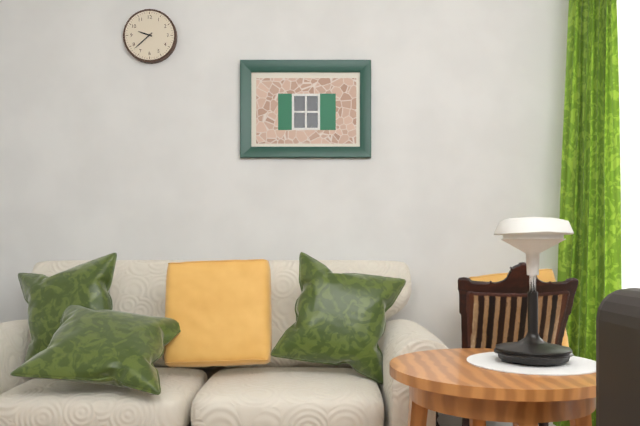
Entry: 9,38
